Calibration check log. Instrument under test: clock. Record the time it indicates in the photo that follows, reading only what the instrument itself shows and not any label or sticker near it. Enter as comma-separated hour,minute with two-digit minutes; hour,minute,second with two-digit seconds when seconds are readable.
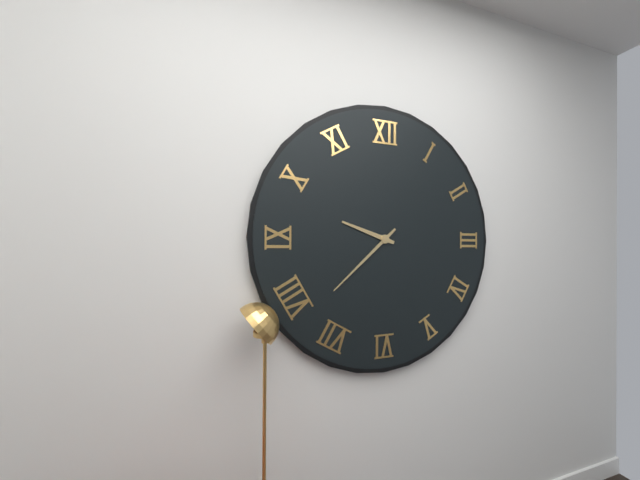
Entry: 9,38
